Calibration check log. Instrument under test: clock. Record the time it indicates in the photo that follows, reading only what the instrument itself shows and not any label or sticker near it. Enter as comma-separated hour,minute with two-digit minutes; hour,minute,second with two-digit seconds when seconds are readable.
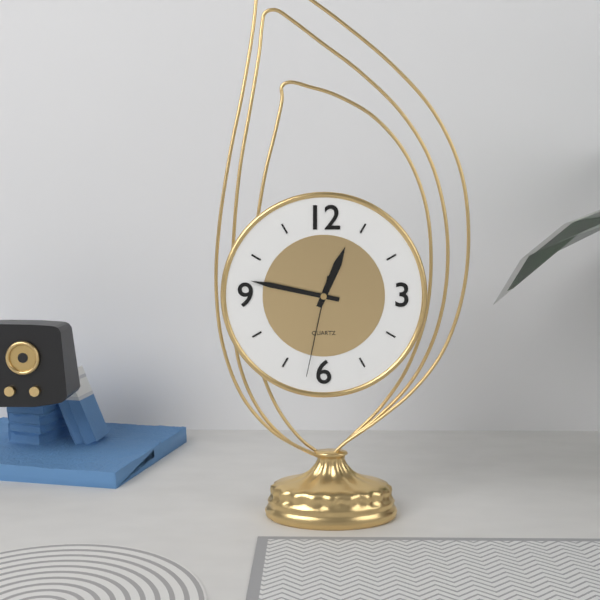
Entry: 12,47,32
